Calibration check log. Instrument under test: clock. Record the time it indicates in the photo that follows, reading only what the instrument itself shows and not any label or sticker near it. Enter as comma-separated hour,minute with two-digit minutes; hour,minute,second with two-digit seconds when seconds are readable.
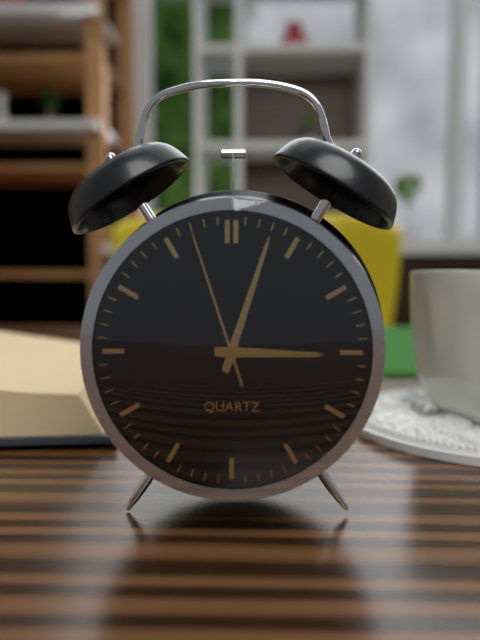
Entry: 3,03,57
